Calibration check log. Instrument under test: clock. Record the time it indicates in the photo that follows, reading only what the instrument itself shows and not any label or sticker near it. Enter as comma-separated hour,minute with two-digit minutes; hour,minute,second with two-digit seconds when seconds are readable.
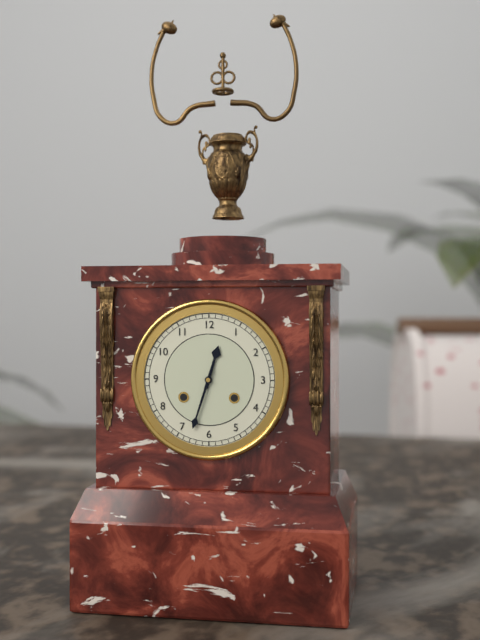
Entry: 12,33
